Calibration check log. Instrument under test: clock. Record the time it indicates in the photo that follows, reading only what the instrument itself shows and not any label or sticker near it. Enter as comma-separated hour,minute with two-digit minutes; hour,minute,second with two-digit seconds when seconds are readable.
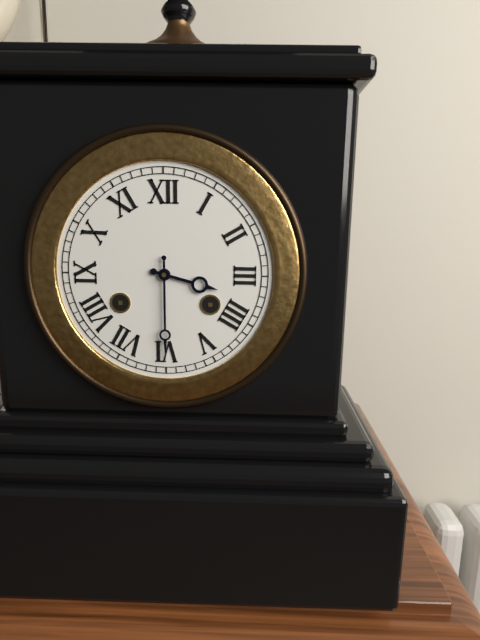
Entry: 3,30
